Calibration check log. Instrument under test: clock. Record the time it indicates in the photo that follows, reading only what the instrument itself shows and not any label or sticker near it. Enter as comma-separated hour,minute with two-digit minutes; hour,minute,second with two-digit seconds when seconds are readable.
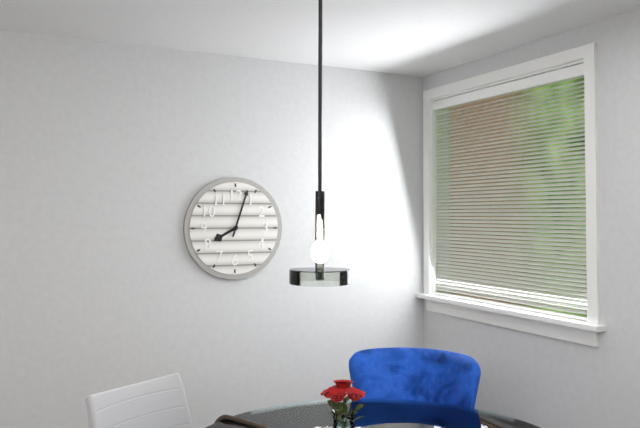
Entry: 8,03
